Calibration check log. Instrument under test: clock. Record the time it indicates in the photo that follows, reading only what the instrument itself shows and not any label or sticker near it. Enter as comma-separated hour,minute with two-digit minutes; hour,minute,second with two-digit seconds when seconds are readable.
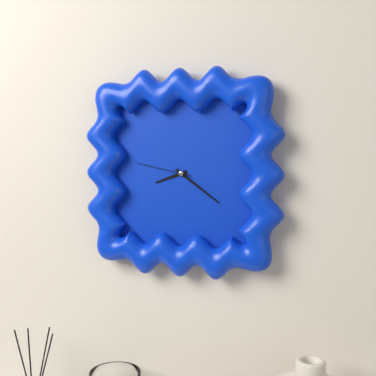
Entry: 8,21,47
